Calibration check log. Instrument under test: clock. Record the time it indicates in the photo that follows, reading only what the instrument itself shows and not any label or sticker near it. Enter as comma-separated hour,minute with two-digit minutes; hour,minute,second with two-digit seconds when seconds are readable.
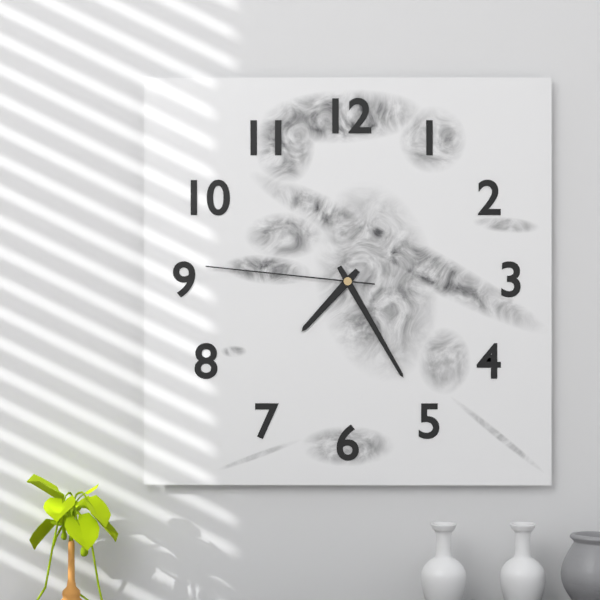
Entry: 7,25,46
